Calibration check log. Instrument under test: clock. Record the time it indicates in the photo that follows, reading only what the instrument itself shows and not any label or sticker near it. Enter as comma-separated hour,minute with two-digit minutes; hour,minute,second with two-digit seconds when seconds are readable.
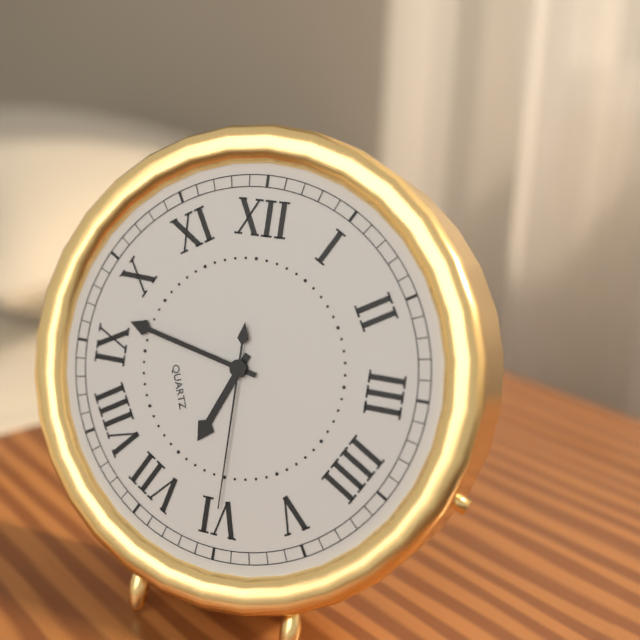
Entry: 6,47,30
